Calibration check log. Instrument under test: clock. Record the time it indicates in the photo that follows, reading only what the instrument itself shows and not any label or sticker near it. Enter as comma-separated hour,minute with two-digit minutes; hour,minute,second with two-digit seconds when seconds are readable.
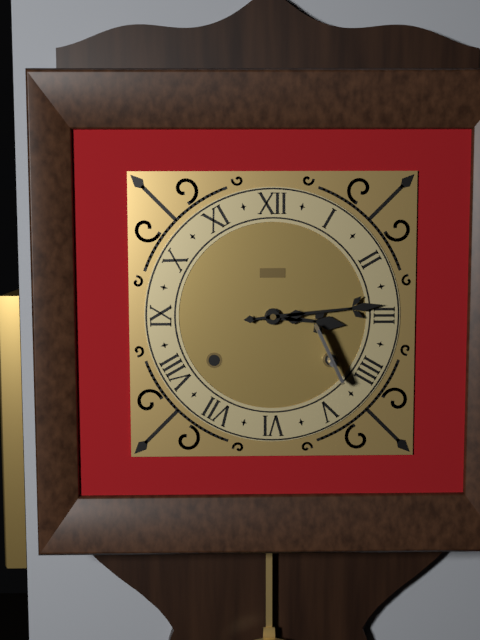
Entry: 3,14
